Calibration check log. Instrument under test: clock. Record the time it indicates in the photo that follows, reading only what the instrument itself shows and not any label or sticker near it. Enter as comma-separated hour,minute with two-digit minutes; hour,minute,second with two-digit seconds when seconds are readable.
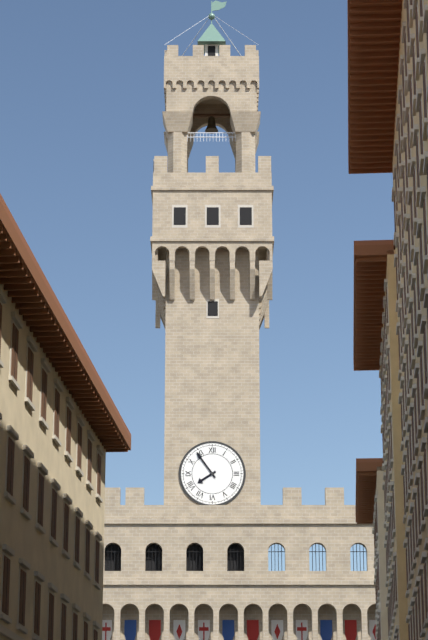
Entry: 7,54
